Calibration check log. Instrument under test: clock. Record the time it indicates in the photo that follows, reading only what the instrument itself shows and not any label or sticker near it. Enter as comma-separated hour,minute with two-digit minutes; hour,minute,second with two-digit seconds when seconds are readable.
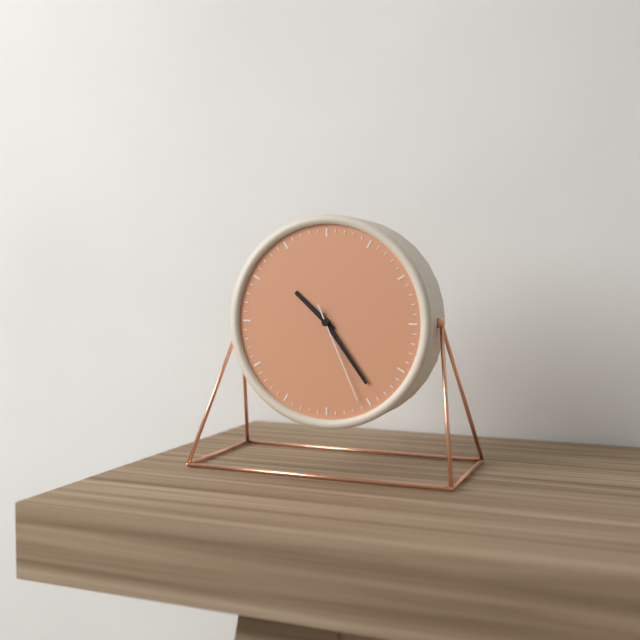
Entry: 10,24,26
